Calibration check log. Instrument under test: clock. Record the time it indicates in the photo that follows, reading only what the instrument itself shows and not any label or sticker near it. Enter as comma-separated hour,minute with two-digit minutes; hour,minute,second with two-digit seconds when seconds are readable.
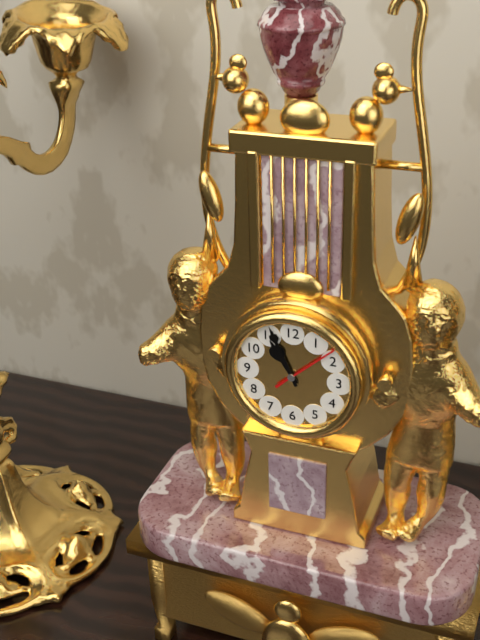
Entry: 10,56,08
